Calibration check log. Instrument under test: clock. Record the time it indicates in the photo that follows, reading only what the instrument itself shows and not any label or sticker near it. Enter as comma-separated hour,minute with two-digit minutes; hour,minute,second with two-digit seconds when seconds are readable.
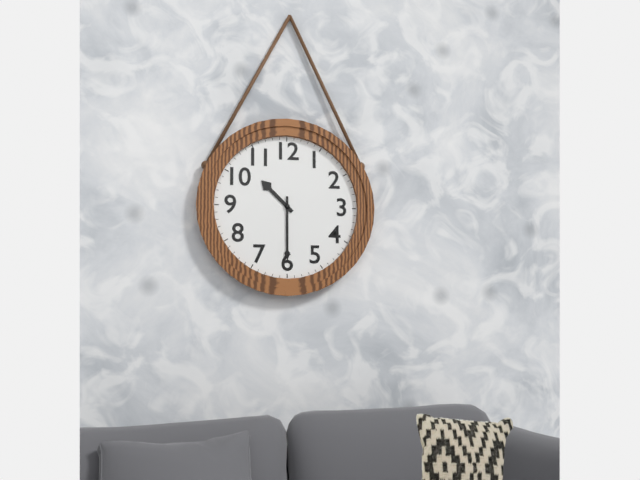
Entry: 10,30
